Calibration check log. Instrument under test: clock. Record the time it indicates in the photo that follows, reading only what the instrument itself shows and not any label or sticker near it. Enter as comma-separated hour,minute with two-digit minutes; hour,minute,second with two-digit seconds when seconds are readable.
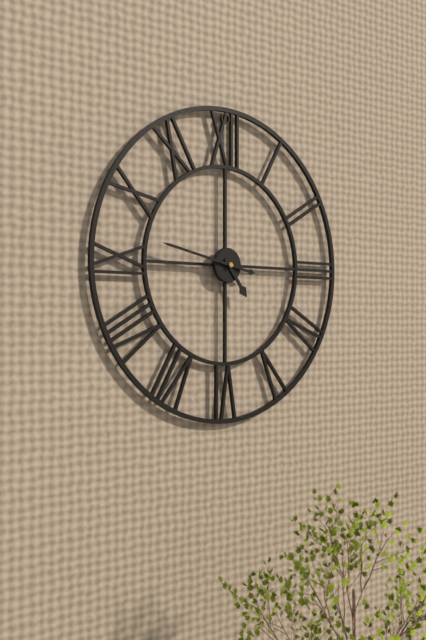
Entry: 4,47
